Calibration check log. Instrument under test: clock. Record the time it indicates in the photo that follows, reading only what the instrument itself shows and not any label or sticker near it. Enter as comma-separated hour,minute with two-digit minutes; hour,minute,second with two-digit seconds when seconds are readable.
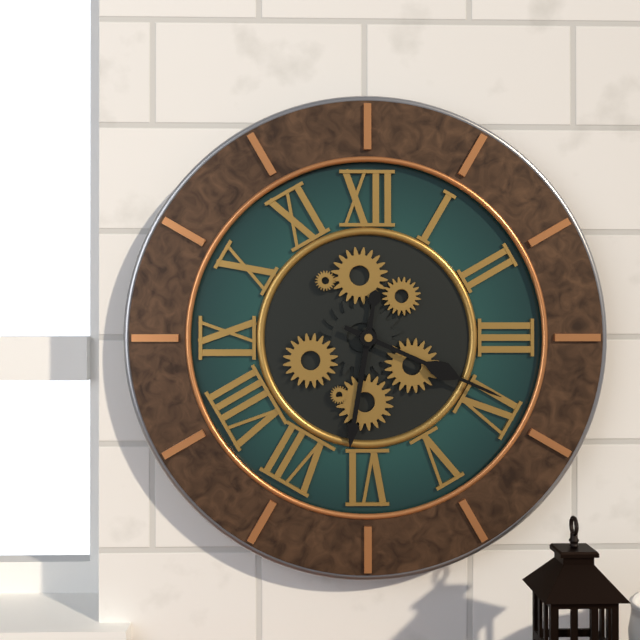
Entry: 6,19
